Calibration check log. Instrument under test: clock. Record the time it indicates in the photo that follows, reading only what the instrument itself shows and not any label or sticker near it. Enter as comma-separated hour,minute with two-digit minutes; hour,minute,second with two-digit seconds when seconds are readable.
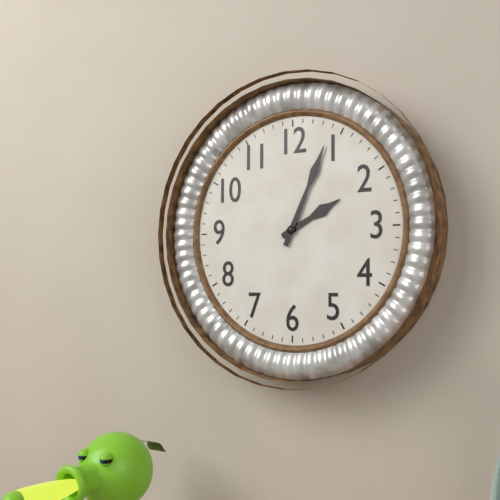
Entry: 2,04
